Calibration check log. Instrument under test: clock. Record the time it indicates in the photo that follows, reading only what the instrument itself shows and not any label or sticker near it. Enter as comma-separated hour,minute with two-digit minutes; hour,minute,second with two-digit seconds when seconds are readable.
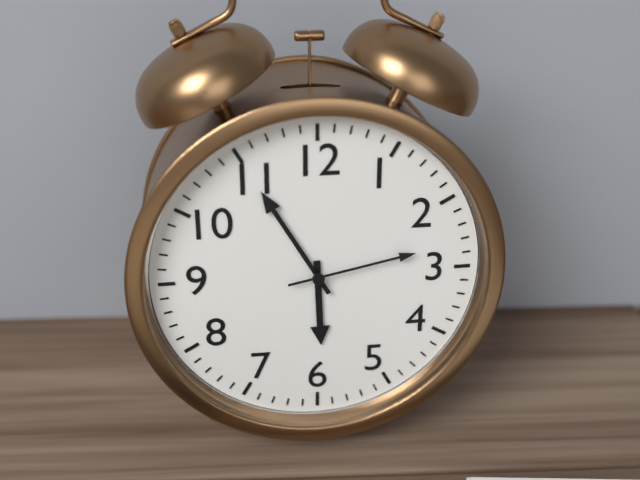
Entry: 5,55,13
